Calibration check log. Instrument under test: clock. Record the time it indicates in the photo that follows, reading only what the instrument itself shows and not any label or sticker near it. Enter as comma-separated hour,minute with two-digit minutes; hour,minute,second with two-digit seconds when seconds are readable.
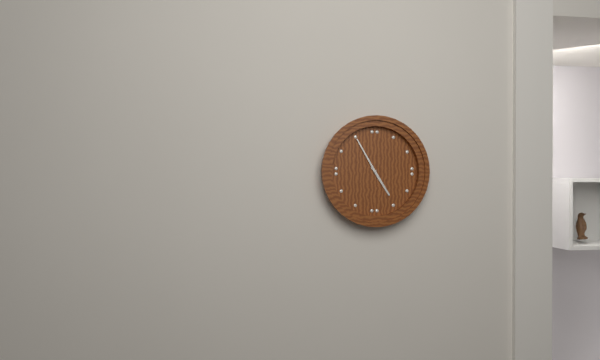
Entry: 4,55
